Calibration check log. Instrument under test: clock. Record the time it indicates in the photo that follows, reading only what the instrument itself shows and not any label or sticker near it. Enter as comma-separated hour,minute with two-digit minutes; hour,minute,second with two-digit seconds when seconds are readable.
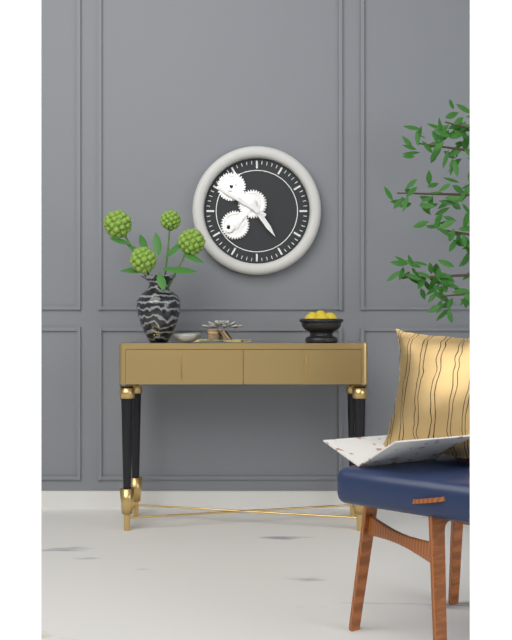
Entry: 4,50
